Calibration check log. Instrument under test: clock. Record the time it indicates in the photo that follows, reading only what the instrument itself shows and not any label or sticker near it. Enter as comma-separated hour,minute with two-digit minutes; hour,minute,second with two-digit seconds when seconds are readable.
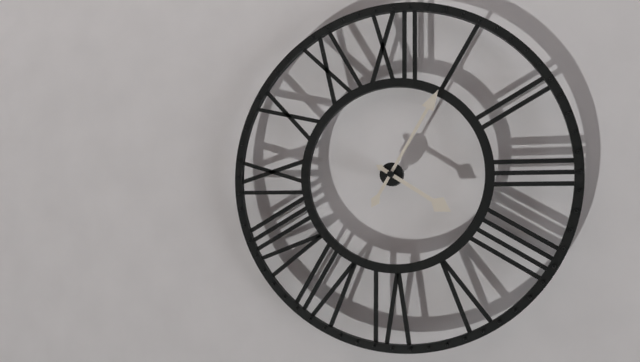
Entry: 4,05
